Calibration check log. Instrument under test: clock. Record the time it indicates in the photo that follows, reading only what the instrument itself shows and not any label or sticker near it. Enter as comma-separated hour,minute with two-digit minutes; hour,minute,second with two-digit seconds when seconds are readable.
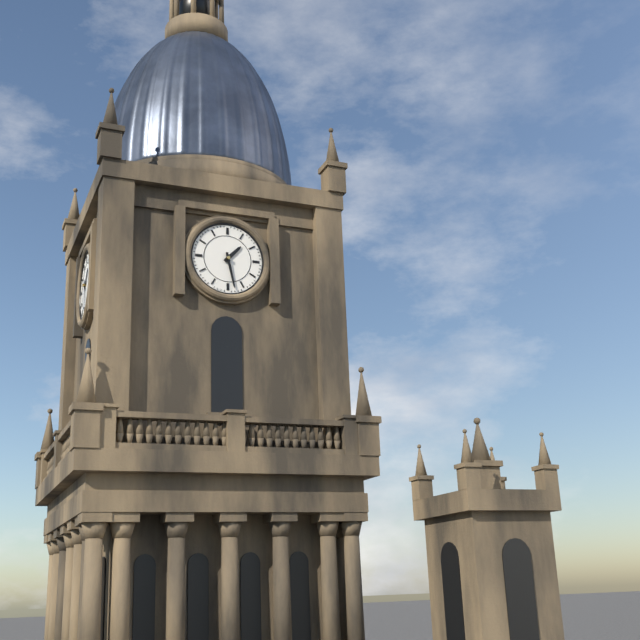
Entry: 1,28
